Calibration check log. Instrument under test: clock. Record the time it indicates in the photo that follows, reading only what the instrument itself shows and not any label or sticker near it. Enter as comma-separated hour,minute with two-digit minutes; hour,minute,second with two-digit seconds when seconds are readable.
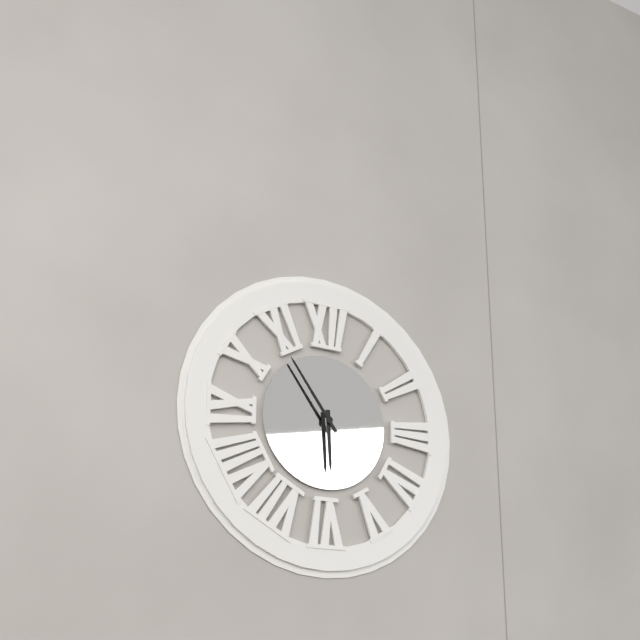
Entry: 5,54
